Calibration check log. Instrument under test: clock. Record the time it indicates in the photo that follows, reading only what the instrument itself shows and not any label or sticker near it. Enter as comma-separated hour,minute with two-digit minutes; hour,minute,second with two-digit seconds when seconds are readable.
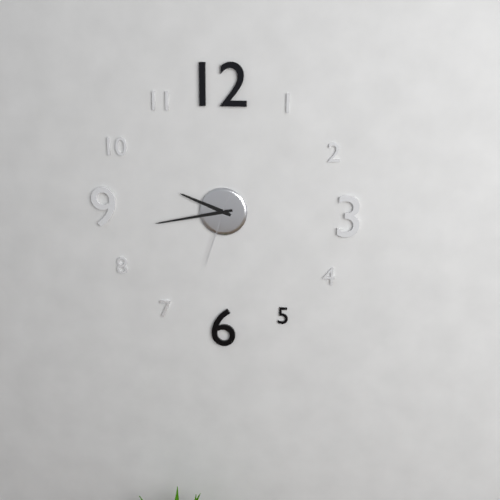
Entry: 9,43,33
